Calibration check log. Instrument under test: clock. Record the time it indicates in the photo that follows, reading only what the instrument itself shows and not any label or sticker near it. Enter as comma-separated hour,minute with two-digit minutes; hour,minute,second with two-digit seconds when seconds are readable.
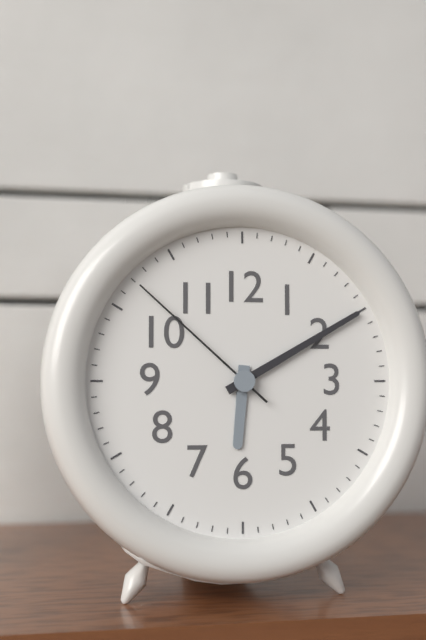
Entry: 6,10,52
